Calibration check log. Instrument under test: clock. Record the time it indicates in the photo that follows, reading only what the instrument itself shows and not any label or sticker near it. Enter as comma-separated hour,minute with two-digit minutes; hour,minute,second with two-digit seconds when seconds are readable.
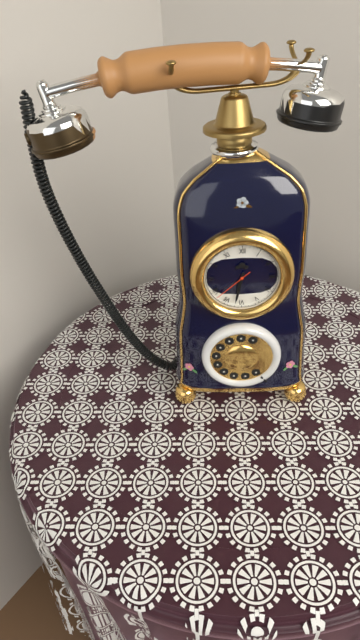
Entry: 6,32
